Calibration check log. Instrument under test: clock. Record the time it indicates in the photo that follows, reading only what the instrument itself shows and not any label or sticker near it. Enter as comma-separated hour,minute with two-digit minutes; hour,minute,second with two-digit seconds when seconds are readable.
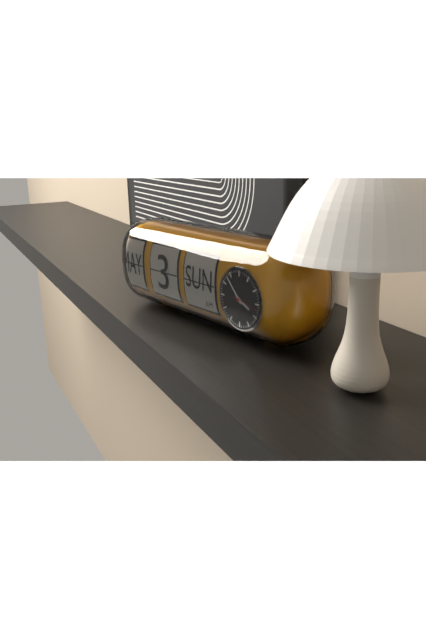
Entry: 3,53
